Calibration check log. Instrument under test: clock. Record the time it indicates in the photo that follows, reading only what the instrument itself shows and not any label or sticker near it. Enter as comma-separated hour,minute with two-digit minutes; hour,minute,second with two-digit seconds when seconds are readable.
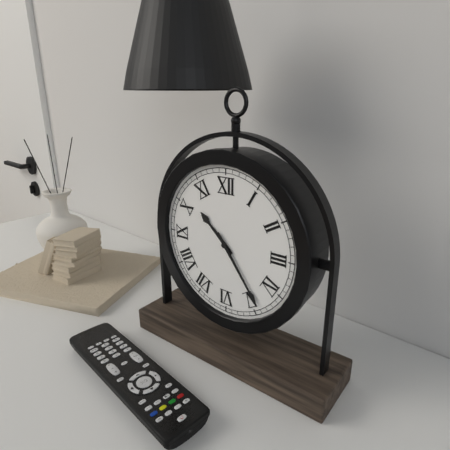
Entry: 10,24
